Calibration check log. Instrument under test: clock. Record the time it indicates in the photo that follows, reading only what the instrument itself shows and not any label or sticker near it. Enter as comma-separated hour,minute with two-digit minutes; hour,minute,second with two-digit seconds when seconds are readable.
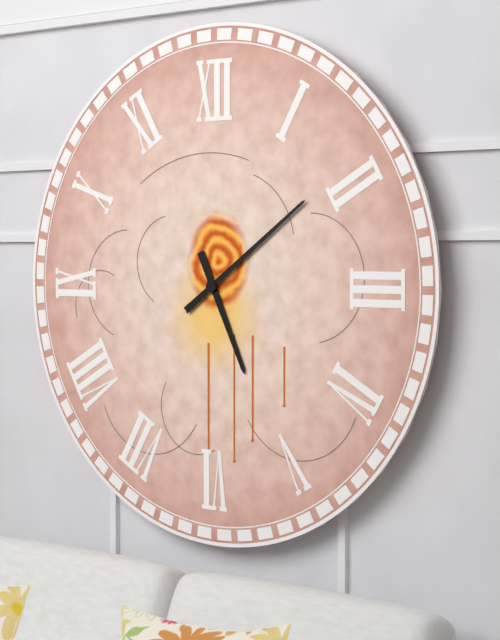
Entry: 5,09
